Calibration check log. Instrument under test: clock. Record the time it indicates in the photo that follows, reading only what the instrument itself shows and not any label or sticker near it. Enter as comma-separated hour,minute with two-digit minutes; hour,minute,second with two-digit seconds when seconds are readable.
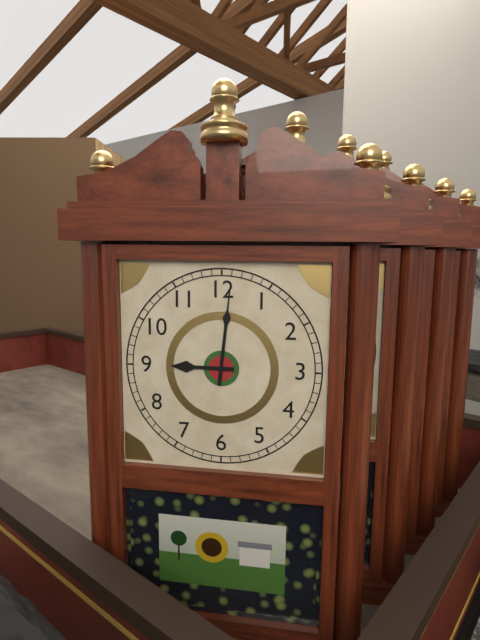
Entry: 9,01
